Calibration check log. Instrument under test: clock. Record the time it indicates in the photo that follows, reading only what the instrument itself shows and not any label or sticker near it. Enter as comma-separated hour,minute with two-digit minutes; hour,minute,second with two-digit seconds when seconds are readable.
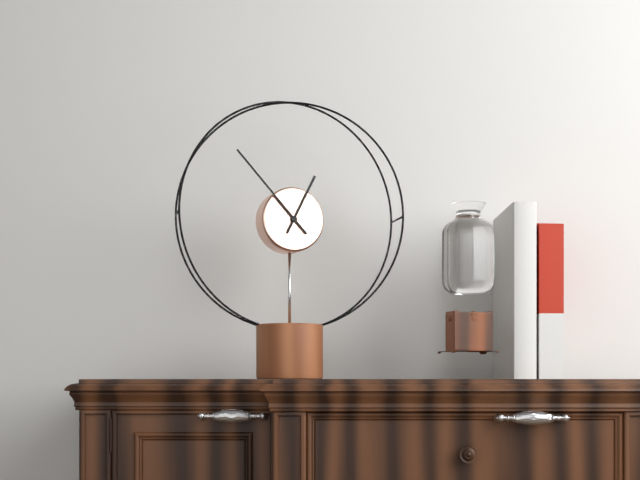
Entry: 12,53
